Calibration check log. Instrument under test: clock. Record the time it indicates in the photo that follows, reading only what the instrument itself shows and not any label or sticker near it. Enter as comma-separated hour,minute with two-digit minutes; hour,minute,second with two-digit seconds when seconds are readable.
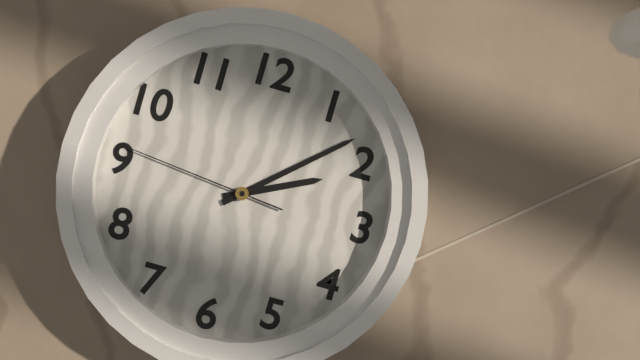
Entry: 2,08,46
